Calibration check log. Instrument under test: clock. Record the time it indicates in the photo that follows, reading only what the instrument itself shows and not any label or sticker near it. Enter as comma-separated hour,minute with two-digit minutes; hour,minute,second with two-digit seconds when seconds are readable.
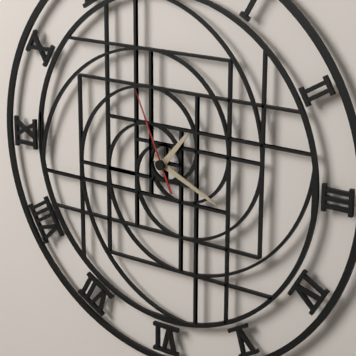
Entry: 1,19,56
